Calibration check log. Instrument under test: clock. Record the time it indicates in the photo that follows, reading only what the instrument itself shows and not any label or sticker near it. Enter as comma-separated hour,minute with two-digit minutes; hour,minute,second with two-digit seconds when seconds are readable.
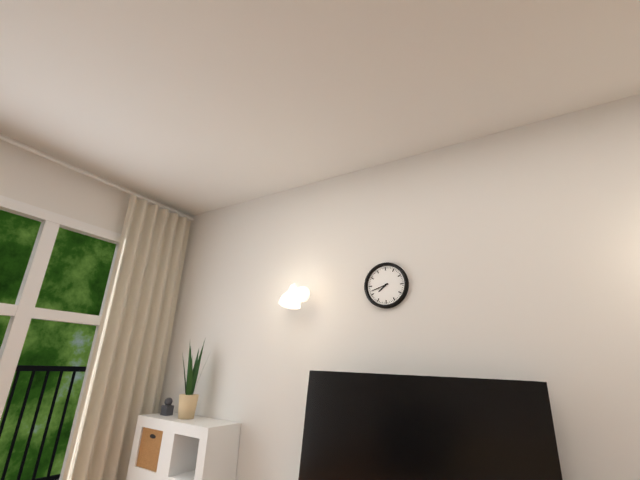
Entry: 7,42
